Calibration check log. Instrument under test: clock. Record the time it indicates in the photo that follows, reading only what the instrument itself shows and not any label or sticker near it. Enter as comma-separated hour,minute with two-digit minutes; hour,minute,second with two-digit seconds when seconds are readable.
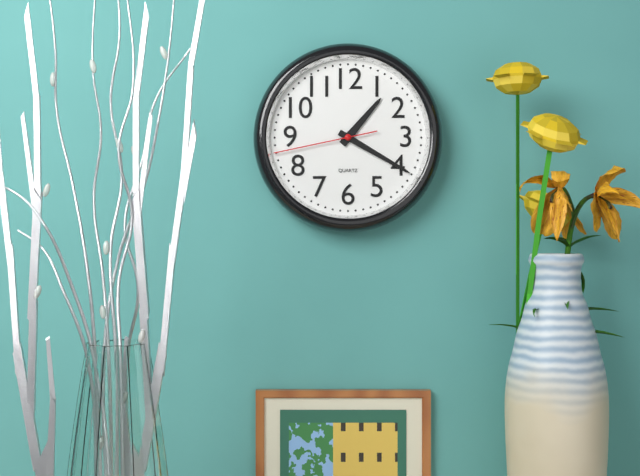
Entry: 1,20,43
